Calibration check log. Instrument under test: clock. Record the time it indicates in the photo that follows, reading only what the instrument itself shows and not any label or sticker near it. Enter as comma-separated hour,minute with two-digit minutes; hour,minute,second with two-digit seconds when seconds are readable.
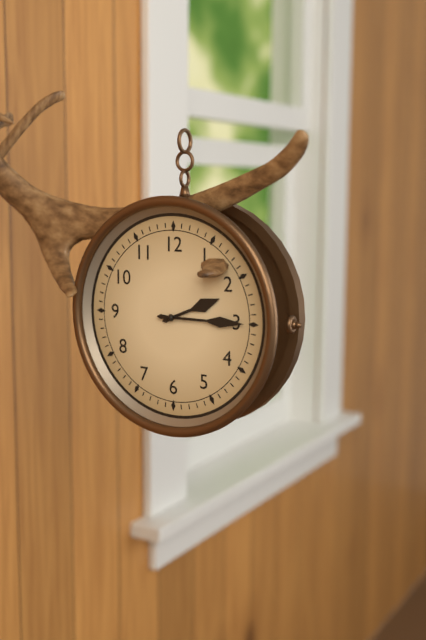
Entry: 2,15
